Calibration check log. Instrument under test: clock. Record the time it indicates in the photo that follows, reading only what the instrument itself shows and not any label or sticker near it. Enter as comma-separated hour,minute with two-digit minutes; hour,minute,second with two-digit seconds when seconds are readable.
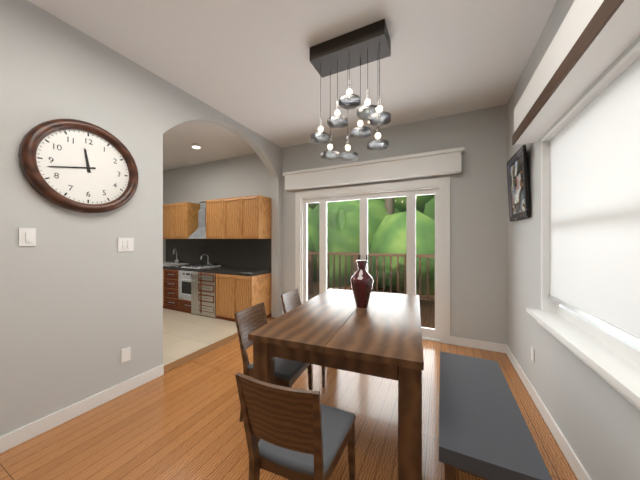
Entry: 11,43
